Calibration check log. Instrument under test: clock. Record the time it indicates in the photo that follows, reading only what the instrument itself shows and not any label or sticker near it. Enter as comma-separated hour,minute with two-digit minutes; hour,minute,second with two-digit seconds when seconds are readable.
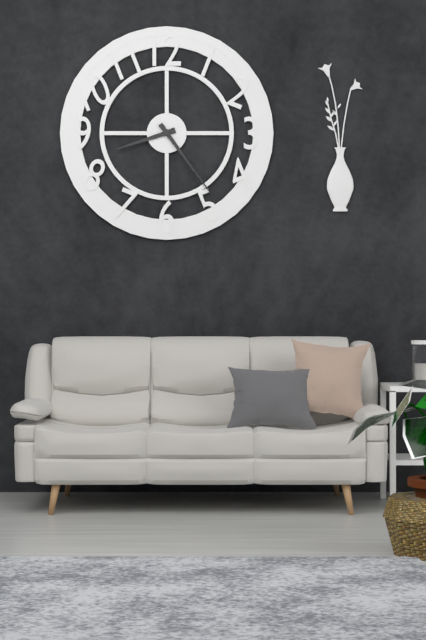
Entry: 8,24
